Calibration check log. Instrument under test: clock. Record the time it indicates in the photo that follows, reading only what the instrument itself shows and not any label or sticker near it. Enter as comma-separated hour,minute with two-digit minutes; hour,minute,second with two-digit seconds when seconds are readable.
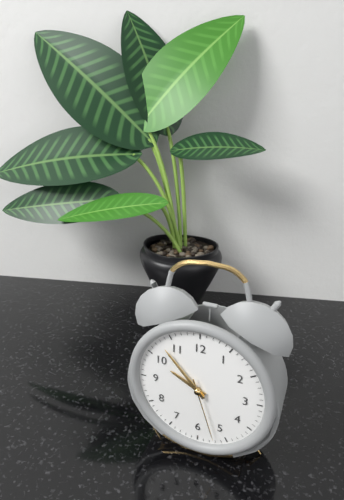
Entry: 9,53,27
